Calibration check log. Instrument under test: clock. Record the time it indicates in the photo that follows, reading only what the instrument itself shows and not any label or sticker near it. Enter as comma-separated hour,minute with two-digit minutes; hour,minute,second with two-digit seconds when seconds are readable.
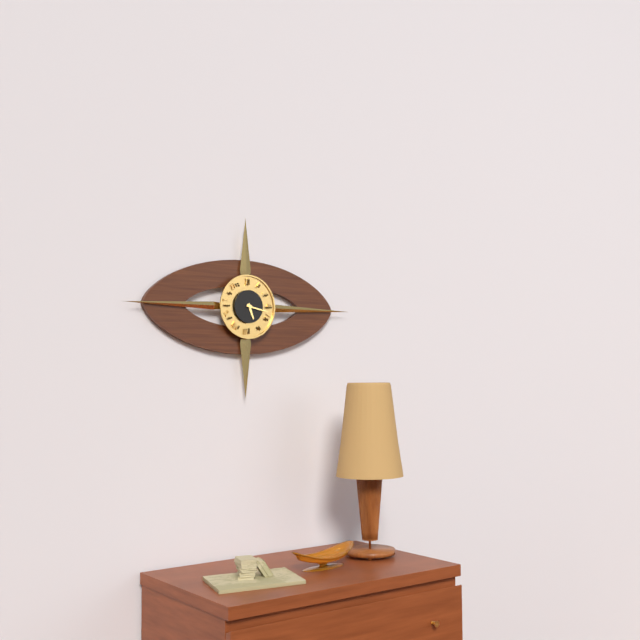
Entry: 5,17
